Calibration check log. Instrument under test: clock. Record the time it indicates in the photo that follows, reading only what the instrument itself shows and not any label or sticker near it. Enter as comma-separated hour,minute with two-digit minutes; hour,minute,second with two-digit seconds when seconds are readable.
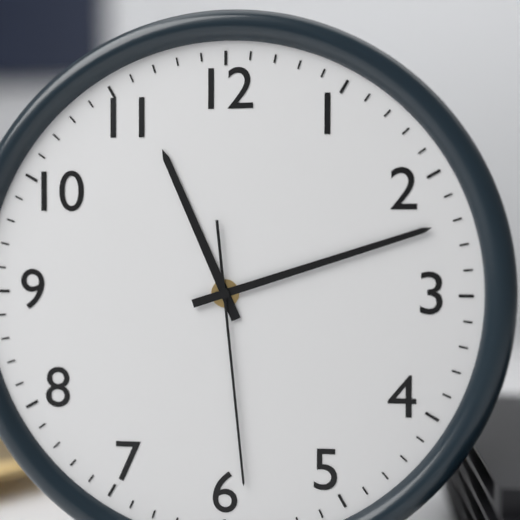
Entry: 11,12,29
